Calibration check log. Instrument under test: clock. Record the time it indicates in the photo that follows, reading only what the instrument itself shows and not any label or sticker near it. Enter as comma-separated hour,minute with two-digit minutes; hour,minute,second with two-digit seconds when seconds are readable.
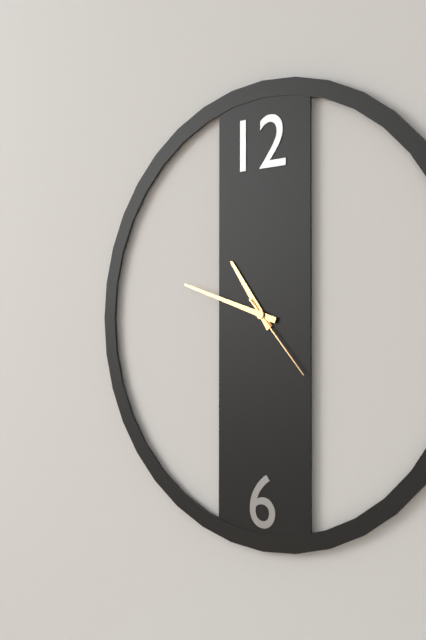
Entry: 10,48,23
